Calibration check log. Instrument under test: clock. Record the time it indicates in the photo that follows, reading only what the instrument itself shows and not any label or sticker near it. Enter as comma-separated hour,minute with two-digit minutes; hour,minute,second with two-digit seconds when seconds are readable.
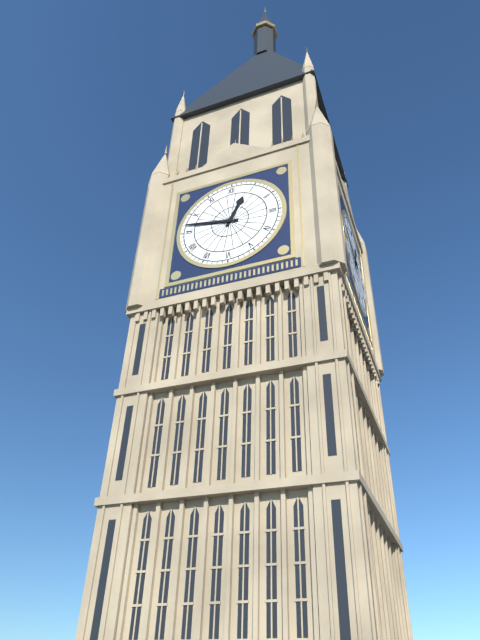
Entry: 12,47
